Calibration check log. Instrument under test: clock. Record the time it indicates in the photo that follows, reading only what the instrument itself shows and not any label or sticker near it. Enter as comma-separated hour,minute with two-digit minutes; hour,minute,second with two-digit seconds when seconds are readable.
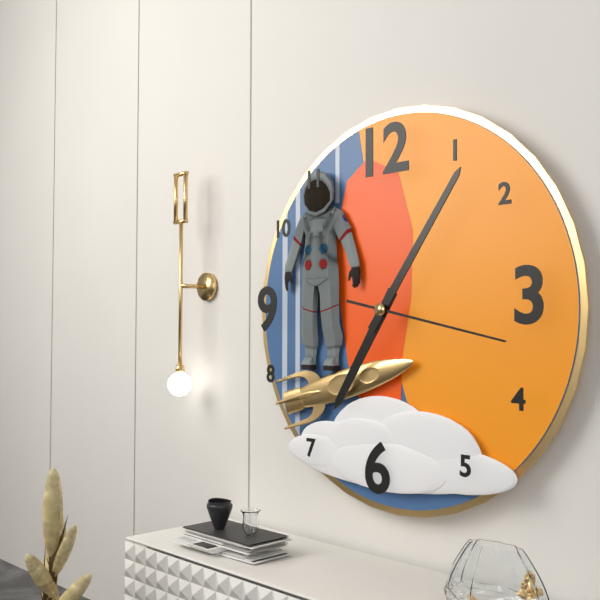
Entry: 7,06,17
